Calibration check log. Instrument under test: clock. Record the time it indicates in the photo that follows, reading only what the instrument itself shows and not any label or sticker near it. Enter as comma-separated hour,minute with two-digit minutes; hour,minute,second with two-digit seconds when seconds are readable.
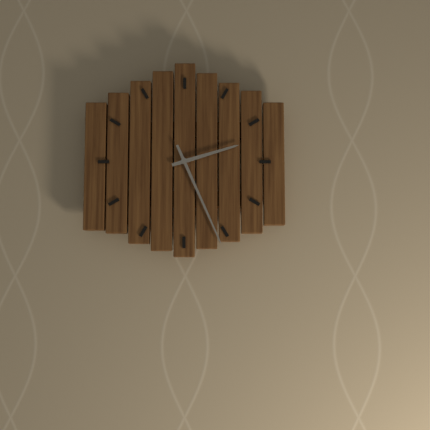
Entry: 2,26
